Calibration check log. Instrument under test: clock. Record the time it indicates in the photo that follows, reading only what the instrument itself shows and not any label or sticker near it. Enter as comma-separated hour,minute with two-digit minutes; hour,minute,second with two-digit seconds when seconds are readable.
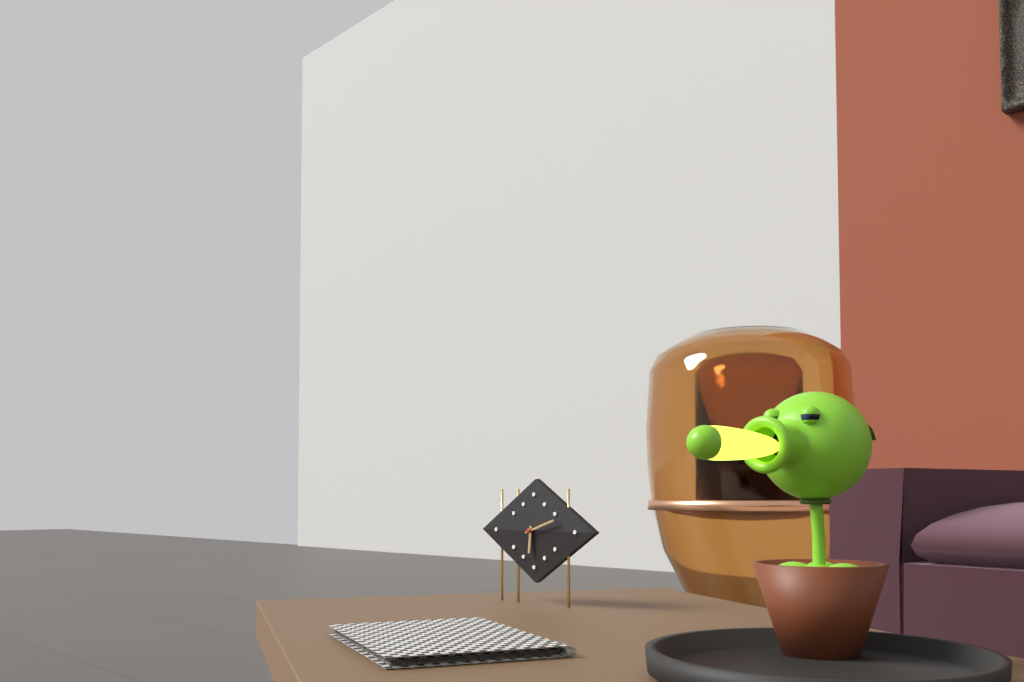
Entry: 6,12
